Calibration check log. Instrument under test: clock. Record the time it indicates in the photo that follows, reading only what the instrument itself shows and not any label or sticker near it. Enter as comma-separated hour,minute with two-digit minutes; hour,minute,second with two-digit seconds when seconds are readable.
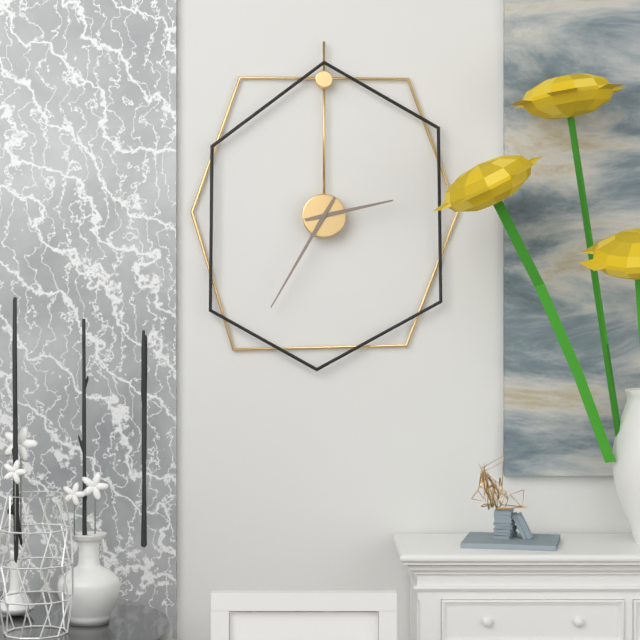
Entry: 2,35
